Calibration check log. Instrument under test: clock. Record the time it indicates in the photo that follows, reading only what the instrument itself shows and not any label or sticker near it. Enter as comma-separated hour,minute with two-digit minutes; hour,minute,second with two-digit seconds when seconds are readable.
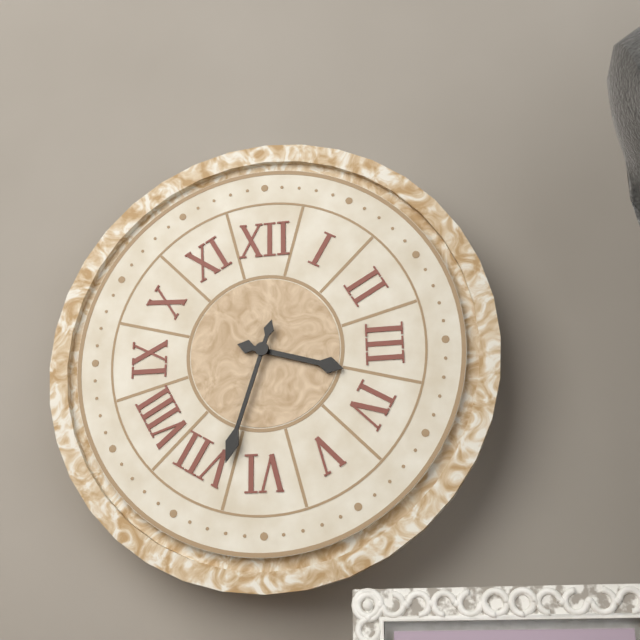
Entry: 3,33
